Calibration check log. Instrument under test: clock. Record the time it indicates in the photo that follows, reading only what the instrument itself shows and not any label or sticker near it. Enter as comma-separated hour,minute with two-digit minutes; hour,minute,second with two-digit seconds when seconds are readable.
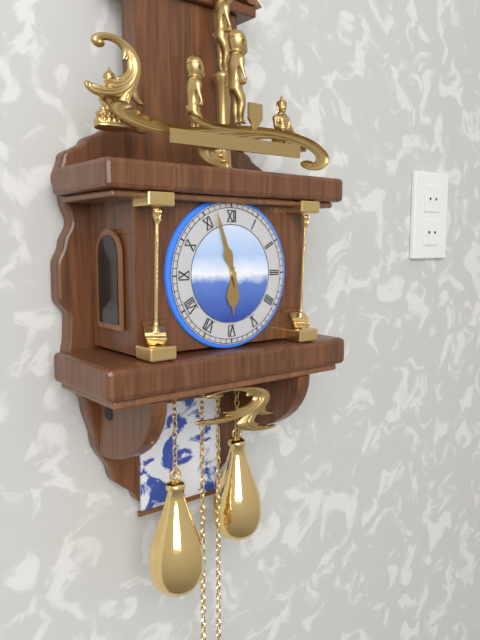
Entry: 5,57
